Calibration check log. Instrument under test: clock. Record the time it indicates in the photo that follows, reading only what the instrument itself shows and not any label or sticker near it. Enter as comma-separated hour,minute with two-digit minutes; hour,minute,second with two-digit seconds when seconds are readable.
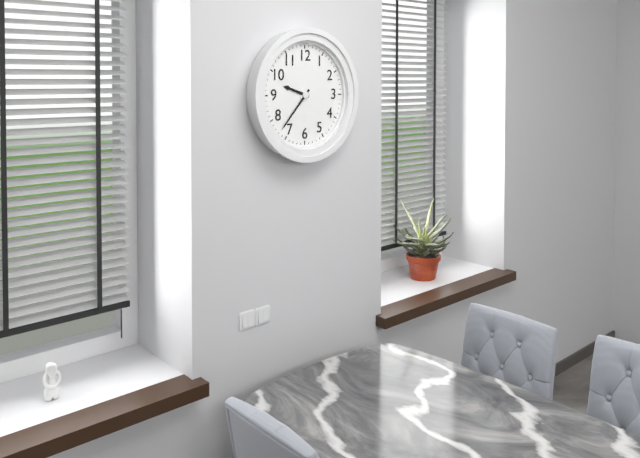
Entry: 9,37
